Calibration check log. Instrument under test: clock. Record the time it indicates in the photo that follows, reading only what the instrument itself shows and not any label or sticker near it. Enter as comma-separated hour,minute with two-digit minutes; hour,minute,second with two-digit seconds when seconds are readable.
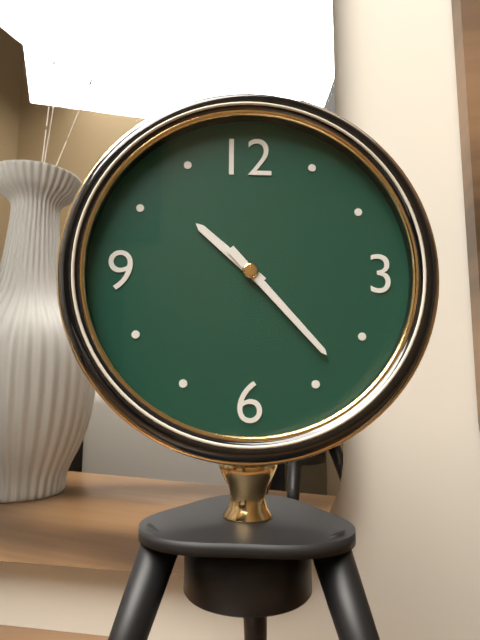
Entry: 10,23
